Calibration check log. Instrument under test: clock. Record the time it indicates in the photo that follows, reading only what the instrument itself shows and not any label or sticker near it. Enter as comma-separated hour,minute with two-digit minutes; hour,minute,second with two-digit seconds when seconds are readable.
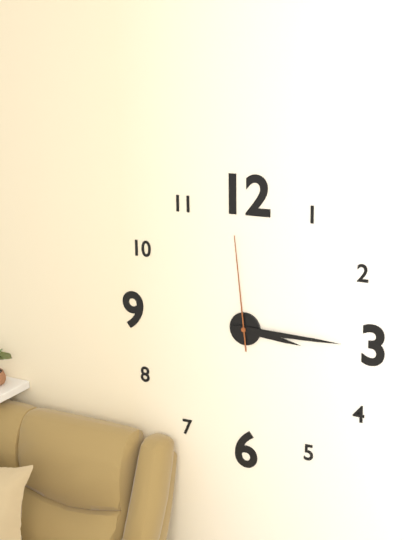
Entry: 3,15,59
